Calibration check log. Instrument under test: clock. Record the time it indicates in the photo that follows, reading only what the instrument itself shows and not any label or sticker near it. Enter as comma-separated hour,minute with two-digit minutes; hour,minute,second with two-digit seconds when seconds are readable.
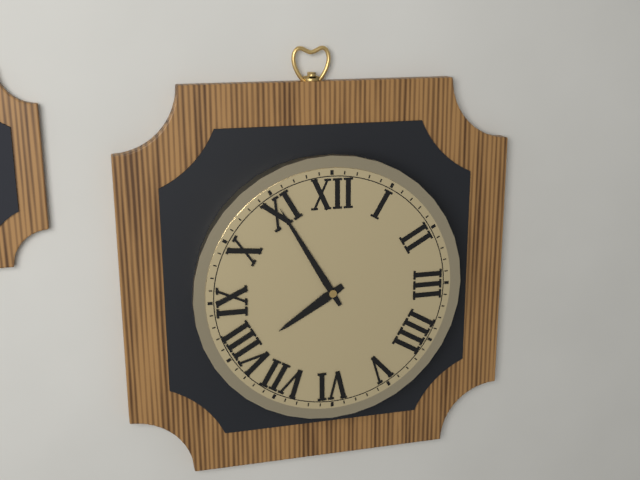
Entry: 7,55
